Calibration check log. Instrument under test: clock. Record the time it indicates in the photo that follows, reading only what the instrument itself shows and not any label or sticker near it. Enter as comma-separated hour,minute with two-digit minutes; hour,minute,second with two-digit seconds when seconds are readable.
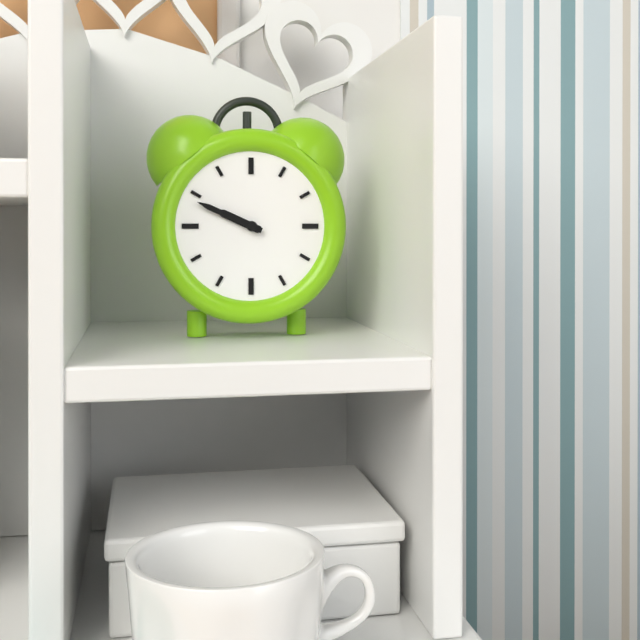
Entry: 9,49
